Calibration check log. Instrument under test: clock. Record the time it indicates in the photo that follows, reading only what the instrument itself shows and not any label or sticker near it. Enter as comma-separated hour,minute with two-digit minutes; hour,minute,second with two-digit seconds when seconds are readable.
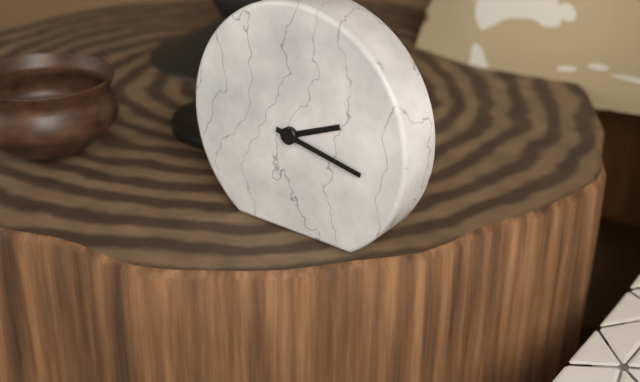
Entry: 2,17
